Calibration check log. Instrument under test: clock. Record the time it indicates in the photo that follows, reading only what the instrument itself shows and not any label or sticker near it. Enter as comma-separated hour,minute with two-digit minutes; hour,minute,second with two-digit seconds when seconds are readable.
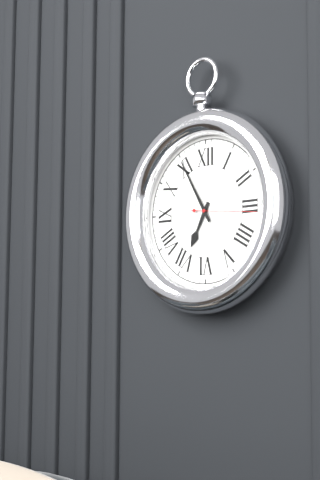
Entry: 6,55,16
